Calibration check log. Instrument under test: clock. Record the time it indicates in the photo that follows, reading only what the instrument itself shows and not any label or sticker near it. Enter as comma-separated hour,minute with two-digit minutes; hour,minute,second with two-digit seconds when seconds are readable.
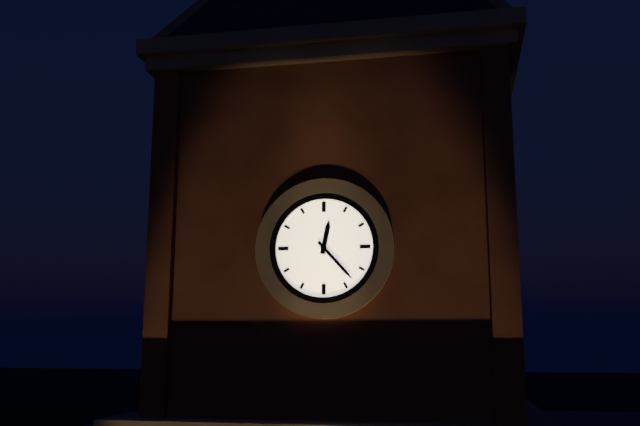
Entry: 12,23
